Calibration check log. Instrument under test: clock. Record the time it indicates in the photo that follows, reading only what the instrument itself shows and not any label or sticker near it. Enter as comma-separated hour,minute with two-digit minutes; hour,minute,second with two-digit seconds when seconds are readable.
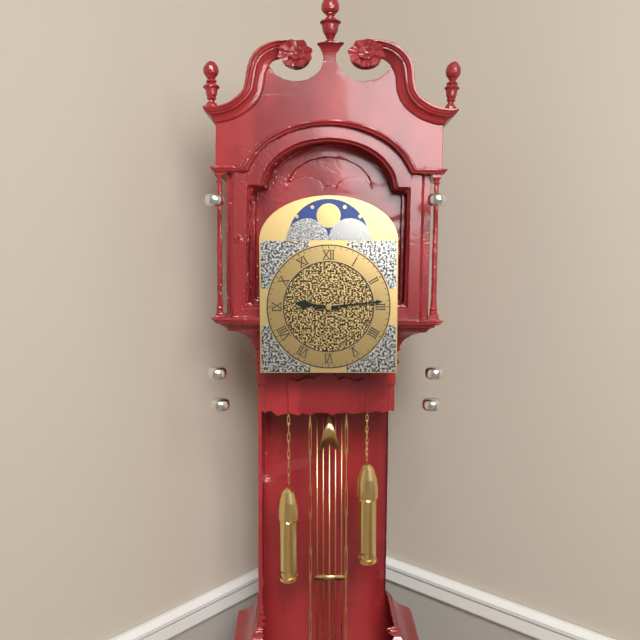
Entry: 9,14
